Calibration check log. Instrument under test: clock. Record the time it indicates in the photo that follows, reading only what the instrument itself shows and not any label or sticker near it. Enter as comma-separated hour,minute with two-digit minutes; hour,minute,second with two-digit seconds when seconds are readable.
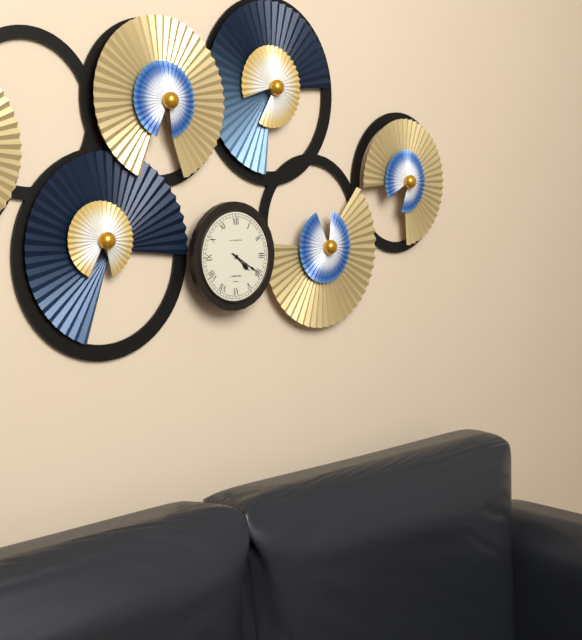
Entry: 4,20
